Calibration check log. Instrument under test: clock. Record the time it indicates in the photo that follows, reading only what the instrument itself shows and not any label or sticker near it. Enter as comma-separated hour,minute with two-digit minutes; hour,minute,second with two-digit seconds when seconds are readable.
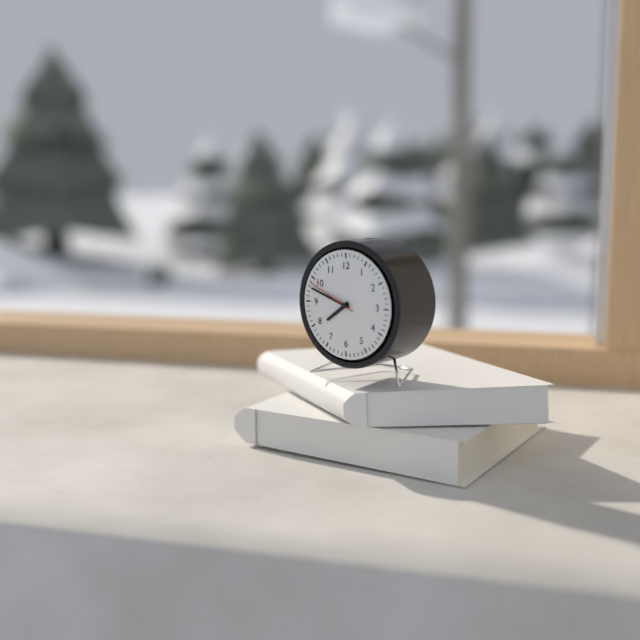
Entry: 7,48,49
